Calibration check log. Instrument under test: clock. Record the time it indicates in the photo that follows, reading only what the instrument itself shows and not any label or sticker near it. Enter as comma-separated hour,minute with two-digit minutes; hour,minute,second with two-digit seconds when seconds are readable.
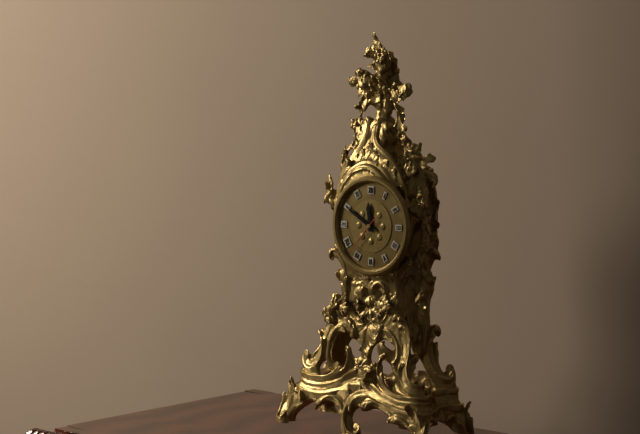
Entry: 11,50
